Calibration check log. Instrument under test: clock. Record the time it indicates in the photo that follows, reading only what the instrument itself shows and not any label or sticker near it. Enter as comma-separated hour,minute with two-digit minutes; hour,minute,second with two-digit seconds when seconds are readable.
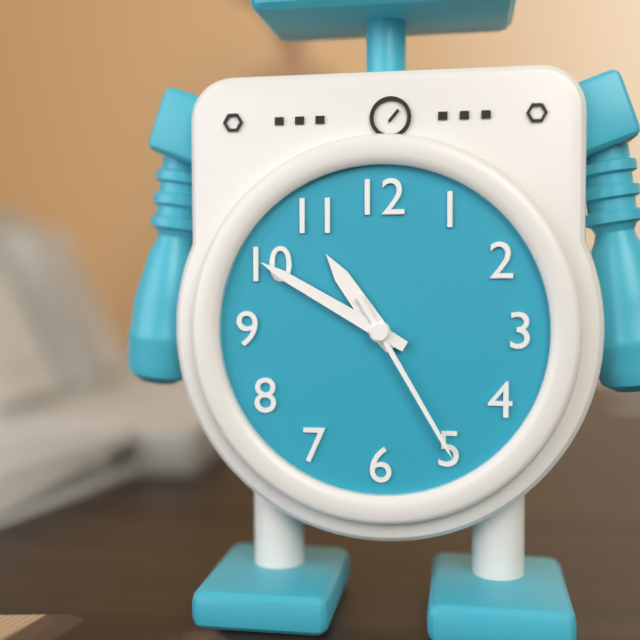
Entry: 10,50,25
